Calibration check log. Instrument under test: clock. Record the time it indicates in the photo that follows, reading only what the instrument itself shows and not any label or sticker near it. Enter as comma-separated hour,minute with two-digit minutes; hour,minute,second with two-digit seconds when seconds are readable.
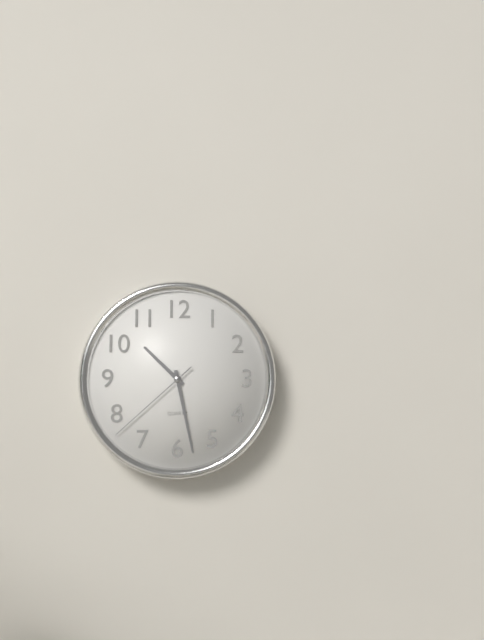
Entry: 10,28,38
